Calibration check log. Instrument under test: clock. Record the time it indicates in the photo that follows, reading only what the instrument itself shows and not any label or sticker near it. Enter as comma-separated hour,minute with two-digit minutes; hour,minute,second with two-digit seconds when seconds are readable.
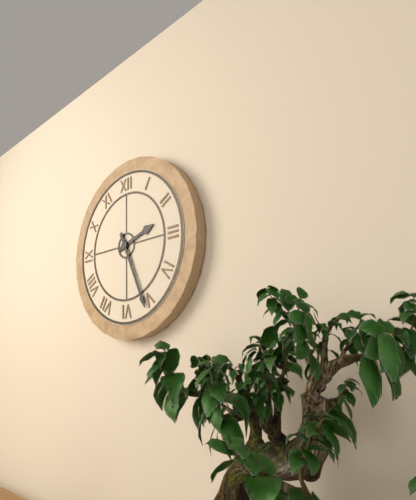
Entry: 2,26
